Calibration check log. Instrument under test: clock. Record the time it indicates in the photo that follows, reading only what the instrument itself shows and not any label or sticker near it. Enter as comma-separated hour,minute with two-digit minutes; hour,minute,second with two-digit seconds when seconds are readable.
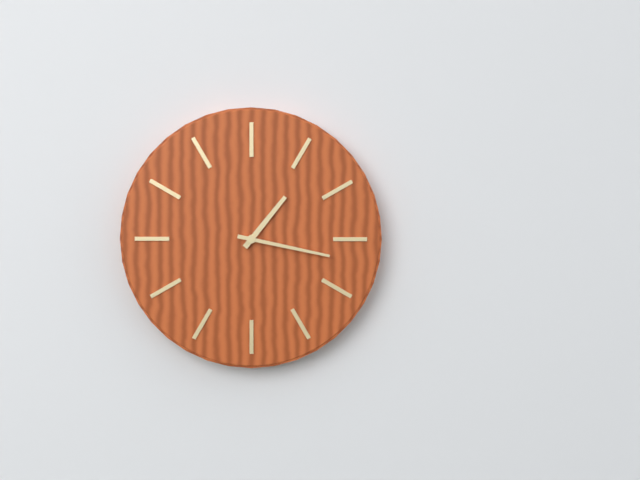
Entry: 1,17
